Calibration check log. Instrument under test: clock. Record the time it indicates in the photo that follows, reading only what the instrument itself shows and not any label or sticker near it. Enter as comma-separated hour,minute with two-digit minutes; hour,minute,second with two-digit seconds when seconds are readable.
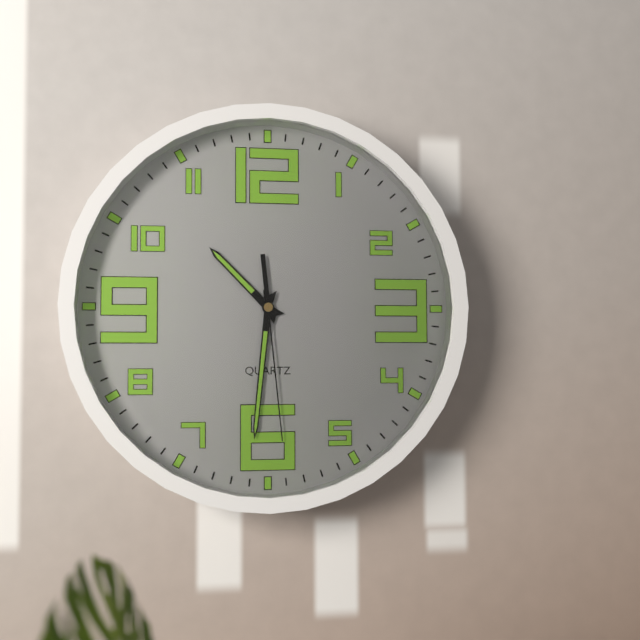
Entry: 10,31,29
